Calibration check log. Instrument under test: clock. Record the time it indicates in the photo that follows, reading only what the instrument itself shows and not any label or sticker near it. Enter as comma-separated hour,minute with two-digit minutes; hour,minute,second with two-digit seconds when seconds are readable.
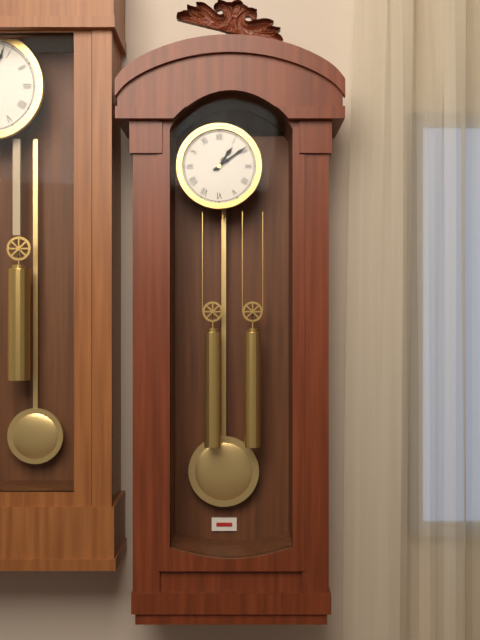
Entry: 1,09
